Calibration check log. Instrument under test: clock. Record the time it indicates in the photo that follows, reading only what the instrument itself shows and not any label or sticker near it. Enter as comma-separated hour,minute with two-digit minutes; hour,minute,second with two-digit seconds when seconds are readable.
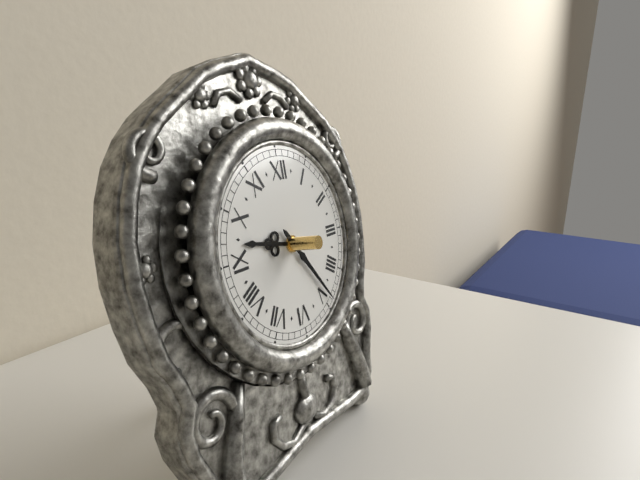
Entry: 9,24
